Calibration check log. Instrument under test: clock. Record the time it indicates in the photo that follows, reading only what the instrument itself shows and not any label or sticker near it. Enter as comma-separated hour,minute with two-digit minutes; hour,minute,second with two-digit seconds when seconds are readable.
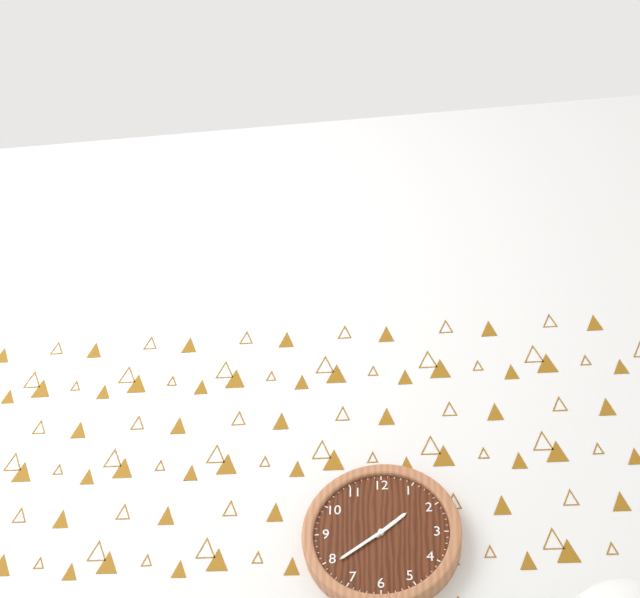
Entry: 1,39
